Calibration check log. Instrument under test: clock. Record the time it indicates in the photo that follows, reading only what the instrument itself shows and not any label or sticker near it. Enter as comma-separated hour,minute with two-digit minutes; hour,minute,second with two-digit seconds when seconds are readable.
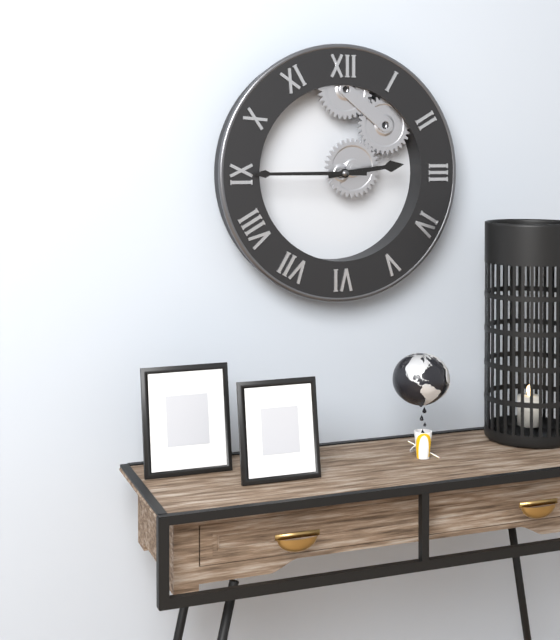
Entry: 2,45
